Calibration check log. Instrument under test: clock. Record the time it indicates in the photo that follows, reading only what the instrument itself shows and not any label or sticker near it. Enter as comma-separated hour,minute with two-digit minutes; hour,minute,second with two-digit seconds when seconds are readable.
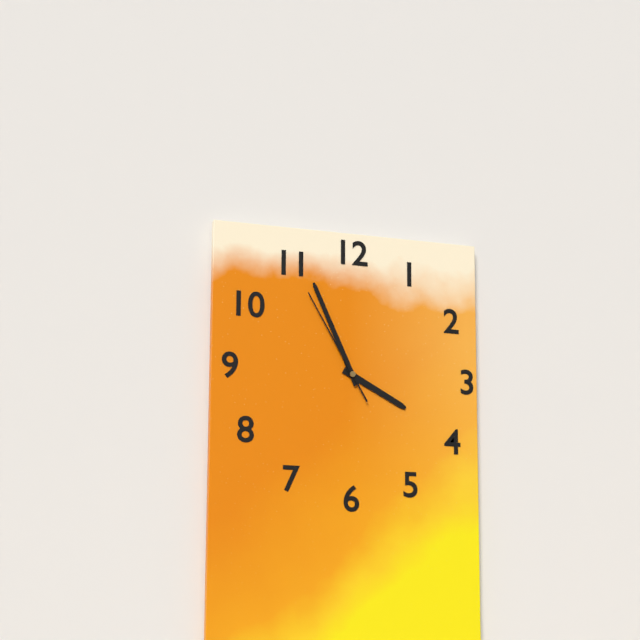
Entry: 3,56,55
